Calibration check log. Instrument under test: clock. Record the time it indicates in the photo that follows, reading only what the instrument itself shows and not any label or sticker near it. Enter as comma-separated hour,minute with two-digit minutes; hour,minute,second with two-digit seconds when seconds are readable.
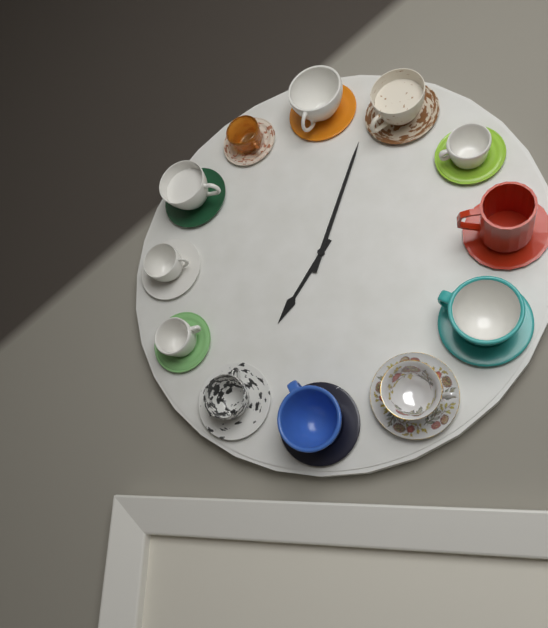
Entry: 7,03
